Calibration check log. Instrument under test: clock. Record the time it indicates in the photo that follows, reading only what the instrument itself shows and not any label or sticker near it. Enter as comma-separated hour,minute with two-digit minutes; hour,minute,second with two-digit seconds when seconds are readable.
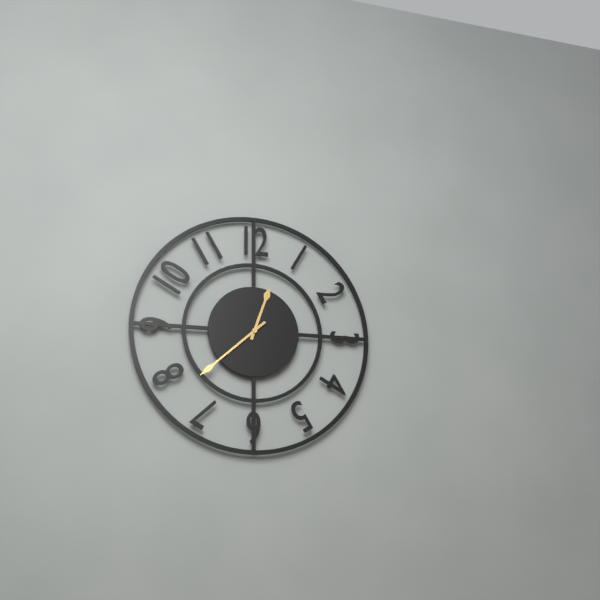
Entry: 12,38
